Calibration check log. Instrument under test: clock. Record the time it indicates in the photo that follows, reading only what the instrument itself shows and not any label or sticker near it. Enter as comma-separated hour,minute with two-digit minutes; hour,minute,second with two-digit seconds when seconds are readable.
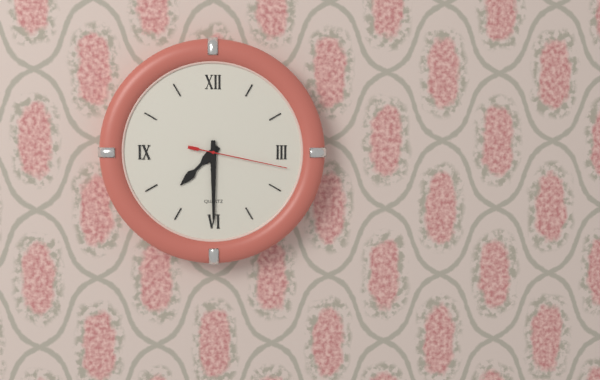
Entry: 7,30,17
